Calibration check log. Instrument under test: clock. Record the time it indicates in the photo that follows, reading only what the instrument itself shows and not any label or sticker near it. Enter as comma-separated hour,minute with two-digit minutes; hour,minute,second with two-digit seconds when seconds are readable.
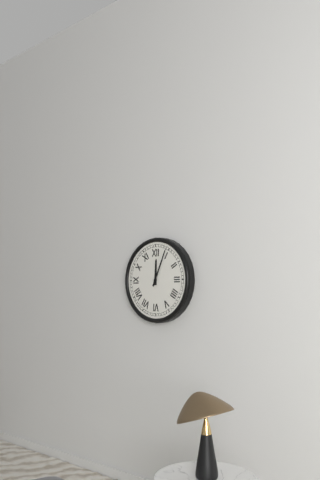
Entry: 12,04
